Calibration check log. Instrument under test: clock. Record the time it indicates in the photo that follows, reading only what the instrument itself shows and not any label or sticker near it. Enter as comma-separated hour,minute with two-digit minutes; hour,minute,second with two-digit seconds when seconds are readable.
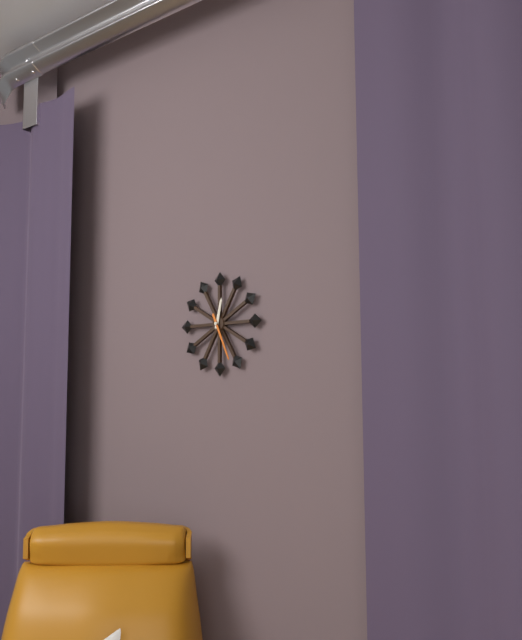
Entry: 12,26
